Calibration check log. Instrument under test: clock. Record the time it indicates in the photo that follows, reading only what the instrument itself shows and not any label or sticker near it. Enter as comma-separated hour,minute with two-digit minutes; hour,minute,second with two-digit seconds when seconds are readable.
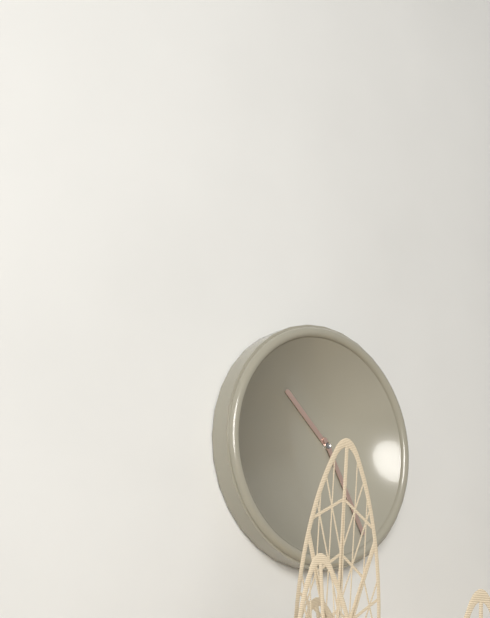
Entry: 10,25
